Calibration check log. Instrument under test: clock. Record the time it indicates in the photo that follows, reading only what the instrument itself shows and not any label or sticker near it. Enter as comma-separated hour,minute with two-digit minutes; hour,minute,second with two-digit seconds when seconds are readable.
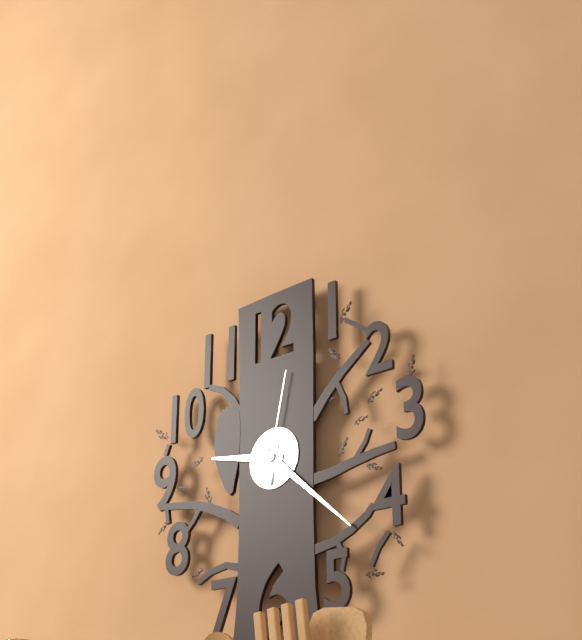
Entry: 9,22,02
